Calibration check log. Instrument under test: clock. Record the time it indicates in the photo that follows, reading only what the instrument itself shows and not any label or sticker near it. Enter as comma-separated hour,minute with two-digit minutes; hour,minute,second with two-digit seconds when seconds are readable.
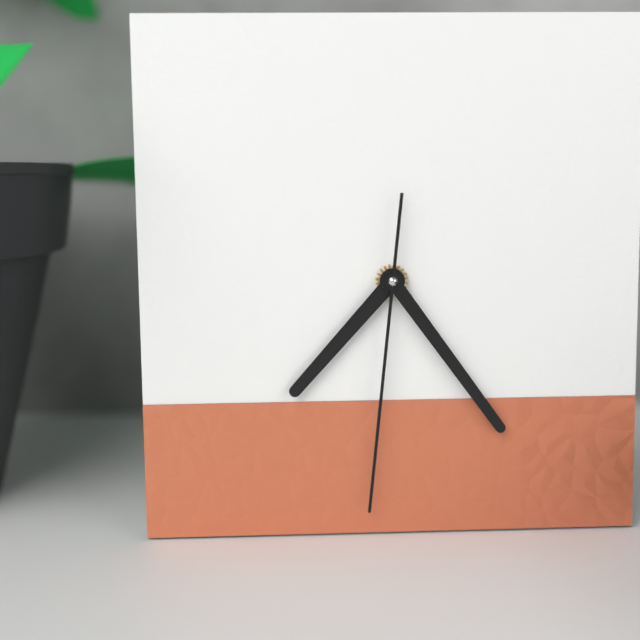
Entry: 7,24,31
